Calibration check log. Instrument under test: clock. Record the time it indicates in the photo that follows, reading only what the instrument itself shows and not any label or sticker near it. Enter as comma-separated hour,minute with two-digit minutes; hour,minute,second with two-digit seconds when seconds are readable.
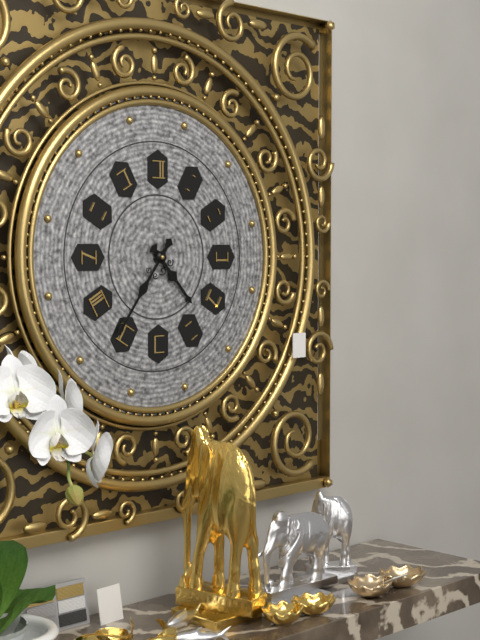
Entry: 4,36
